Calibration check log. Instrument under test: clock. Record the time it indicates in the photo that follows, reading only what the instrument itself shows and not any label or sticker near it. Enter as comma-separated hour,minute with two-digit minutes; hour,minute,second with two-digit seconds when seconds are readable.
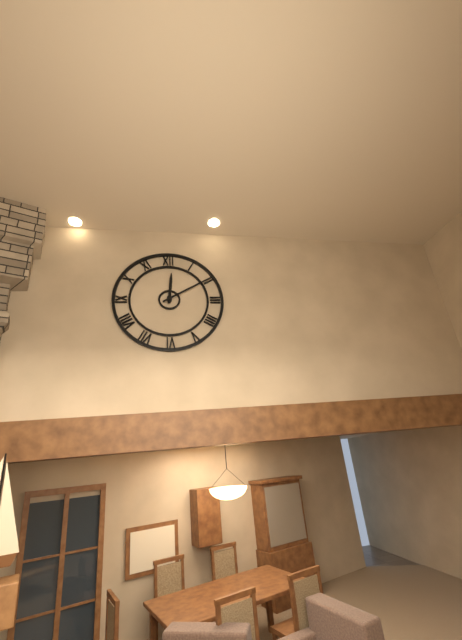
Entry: 12,10
